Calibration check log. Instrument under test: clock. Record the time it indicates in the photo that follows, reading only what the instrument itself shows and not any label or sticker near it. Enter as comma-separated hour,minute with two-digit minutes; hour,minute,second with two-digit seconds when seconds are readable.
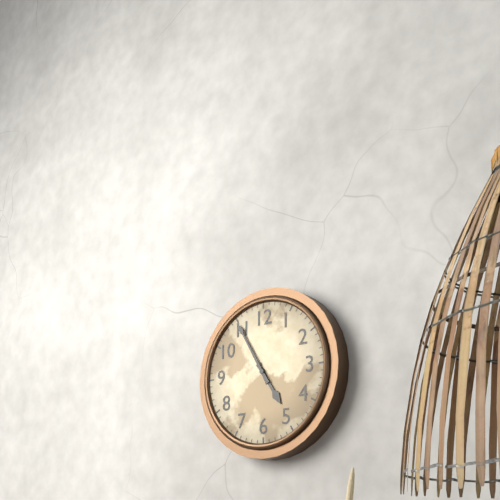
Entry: 4,55
